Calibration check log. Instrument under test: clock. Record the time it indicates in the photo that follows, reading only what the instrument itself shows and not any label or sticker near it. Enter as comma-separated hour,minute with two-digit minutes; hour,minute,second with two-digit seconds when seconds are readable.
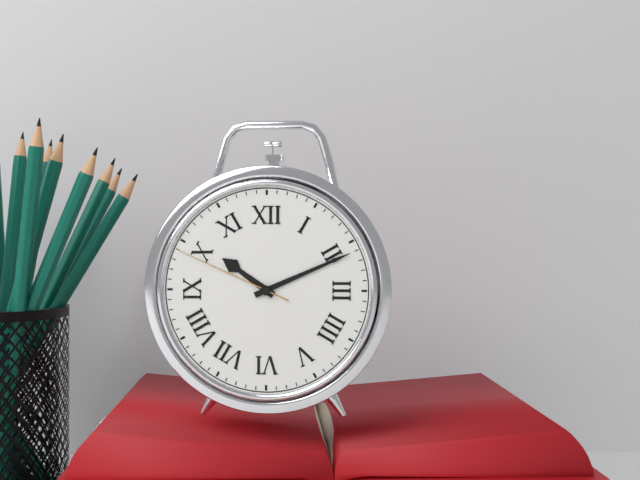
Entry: 10,11,49
